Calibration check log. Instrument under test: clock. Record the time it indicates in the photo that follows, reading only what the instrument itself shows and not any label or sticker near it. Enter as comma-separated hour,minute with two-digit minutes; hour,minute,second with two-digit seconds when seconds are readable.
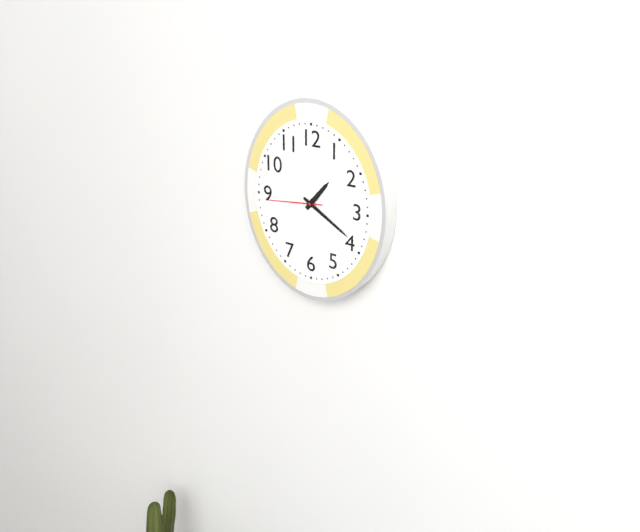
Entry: 1,20,44
